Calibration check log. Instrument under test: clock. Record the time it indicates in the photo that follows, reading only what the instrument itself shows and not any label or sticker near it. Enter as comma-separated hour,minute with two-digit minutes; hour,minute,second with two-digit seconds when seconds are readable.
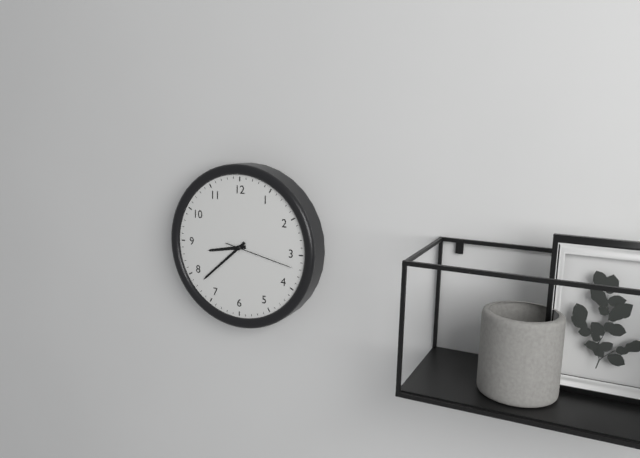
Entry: 8,38,17
